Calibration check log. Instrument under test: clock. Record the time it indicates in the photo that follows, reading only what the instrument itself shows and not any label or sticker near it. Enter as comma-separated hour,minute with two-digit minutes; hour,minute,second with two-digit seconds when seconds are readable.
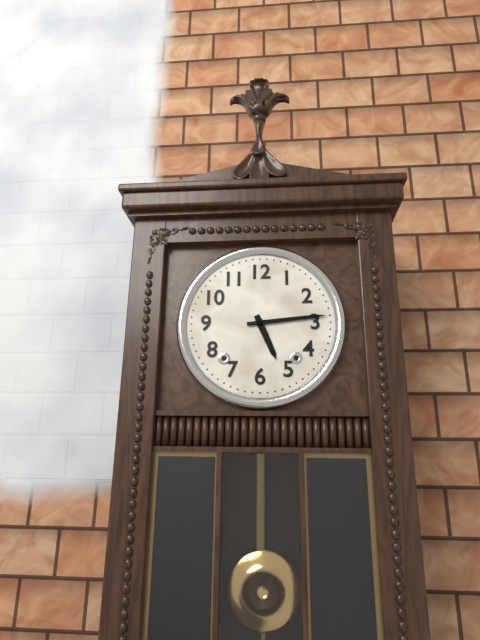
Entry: 5,14
